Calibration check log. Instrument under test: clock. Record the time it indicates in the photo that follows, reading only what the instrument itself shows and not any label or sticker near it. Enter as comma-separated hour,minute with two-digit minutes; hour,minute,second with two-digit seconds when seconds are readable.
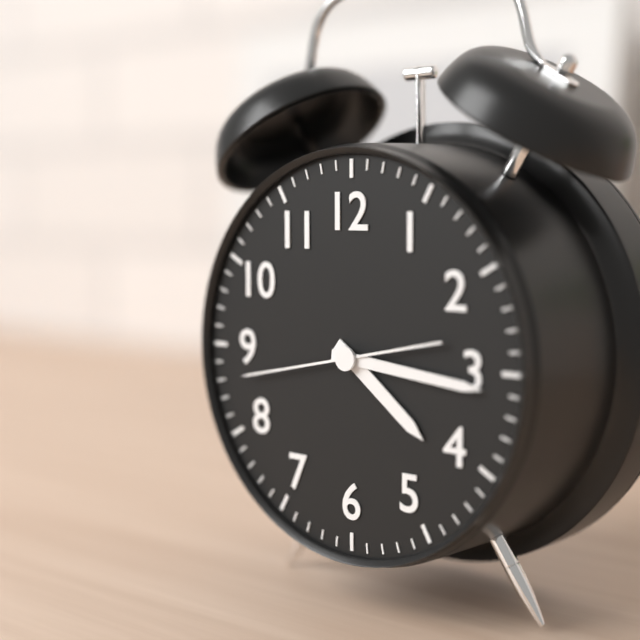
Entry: 4,16,43
